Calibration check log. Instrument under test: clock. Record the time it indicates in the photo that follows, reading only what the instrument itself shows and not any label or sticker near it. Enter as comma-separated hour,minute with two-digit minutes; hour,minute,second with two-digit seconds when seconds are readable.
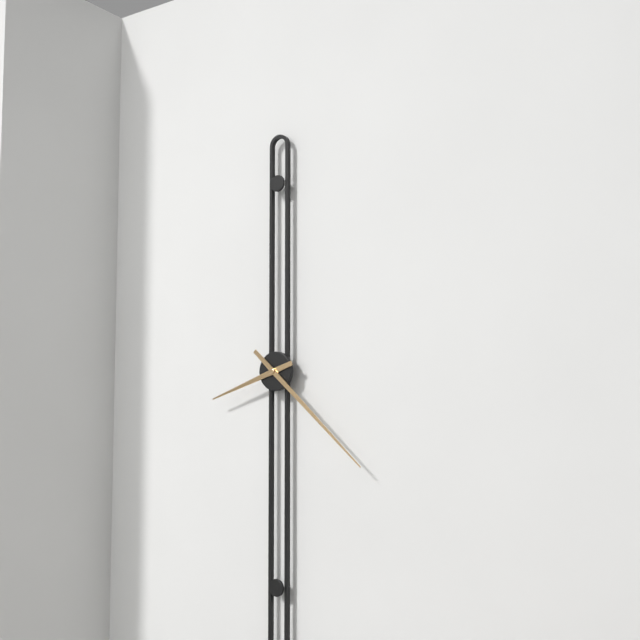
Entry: 8,22
